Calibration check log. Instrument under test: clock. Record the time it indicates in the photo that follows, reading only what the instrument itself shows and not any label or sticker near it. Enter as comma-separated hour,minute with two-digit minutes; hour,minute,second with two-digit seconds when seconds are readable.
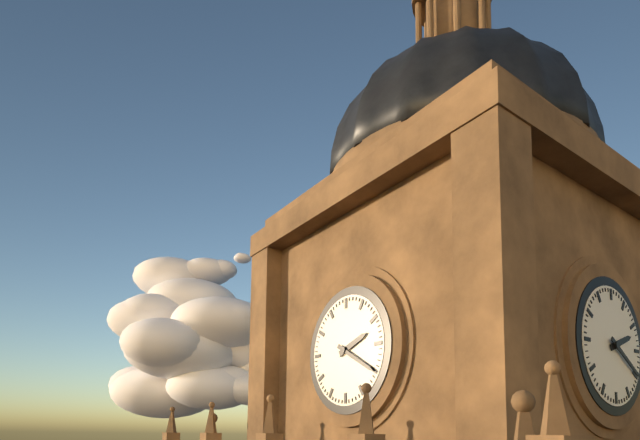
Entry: 2,20
